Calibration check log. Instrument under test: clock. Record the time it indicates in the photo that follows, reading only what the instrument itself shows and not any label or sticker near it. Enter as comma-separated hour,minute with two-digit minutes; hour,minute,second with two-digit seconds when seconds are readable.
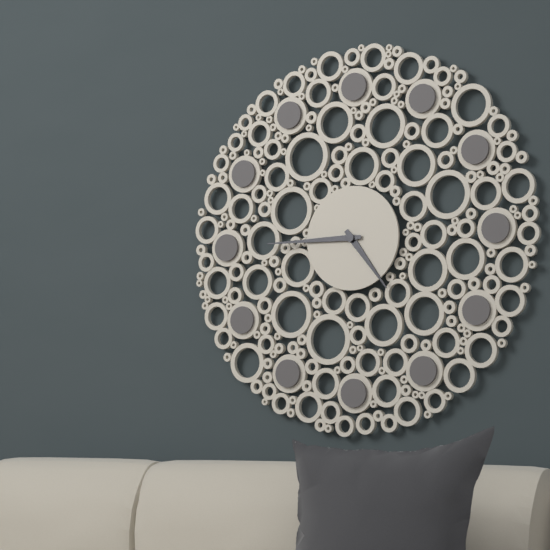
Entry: 4,45
